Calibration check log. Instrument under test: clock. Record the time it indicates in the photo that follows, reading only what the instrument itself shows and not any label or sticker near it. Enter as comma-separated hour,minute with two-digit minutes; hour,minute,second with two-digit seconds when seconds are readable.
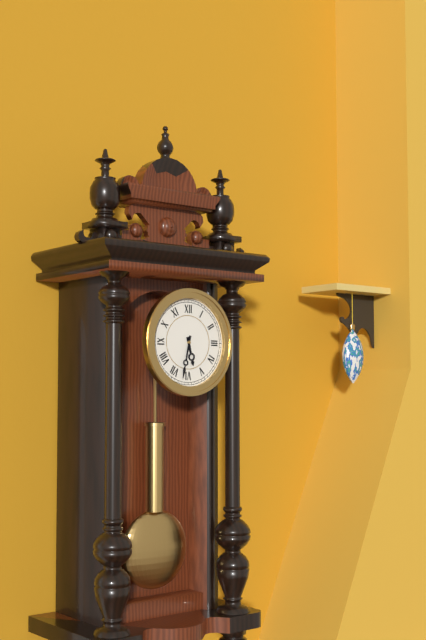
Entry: 5,32
